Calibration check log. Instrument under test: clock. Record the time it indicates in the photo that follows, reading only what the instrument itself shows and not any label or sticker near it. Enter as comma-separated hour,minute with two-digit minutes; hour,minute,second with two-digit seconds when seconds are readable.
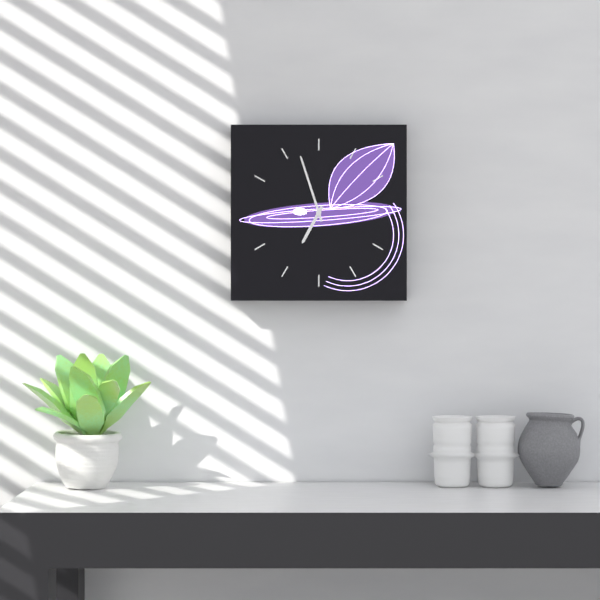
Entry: 6,57
